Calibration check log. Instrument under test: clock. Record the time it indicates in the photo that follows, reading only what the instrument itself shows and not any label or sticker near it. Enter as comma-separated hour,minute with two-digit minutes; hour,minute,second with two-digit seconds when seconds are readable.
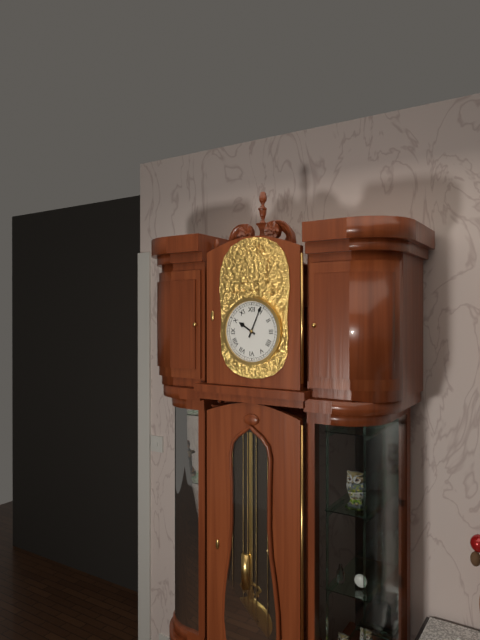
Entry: 10,04
